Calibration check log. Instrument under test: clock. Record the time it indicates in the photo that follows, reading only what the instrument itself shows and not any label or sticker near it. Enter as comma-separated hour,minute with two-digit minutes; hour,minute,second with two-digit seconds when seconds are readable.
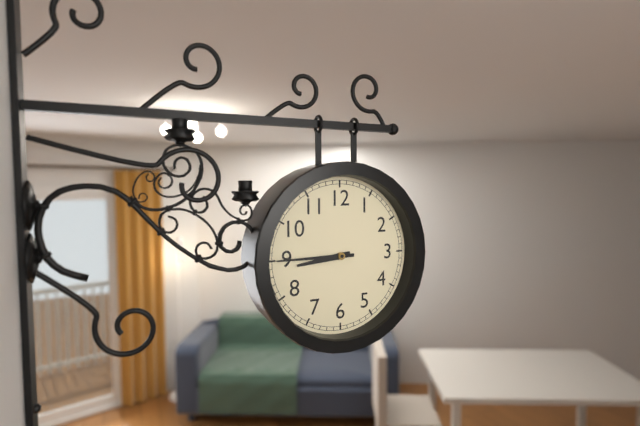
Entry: 8,45
